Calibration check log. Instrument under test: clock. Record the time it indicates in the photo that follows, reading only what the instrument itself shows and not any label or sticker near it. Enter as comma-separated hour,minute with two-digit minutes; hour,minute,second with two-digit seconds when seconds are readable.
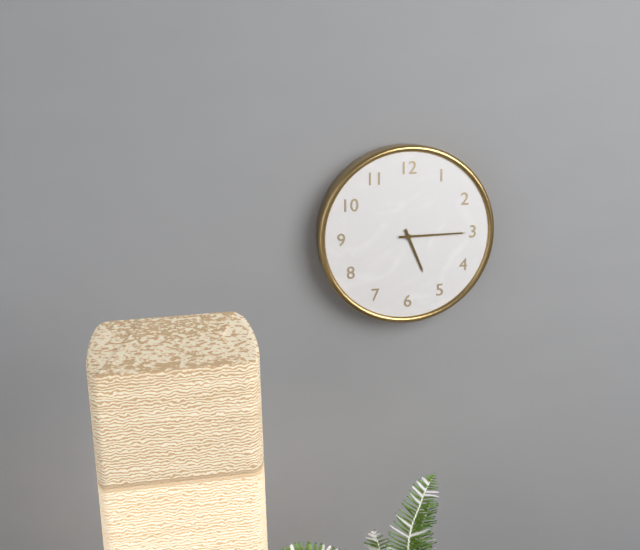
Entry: 5,15
